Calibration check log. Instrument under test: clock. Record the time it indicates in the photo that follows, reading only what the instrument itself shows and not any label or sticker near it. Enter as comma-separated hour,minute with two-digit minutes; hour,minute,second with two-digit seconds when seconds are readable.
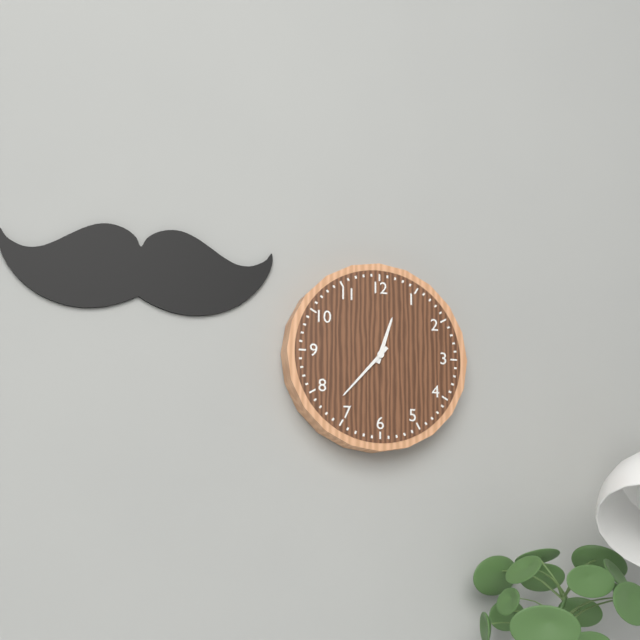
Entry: 12,37
